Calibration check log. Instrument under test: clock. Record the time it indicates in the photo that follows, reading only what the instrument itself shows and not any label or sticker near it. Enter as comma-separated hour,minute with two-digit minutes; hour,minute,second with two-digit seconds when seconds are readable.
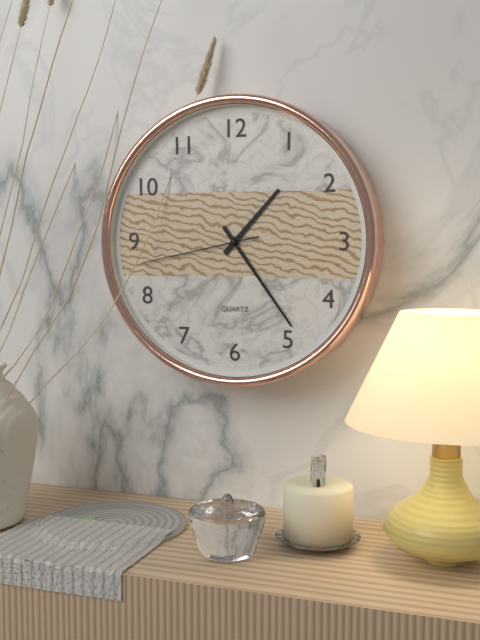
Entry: 1,24,43
